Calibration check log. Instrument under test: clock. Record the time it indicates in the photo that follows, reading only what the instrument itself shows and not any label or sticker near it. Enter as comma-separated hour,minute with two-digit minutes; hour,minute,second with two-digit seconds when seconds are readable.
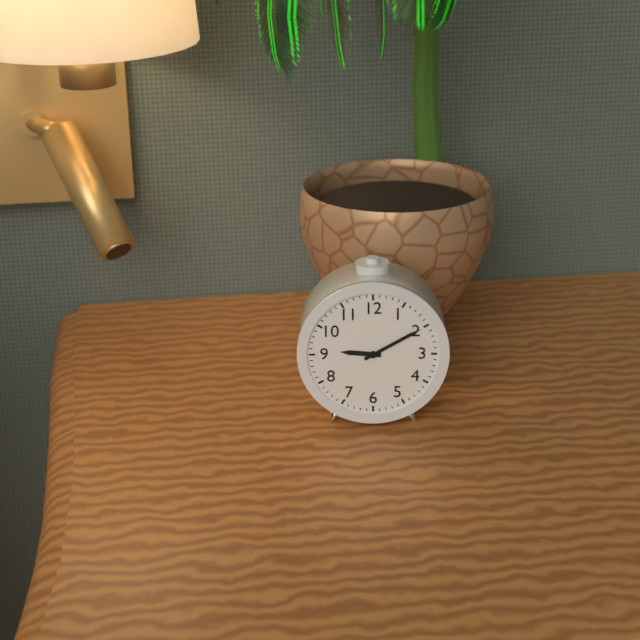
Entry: 9,10
